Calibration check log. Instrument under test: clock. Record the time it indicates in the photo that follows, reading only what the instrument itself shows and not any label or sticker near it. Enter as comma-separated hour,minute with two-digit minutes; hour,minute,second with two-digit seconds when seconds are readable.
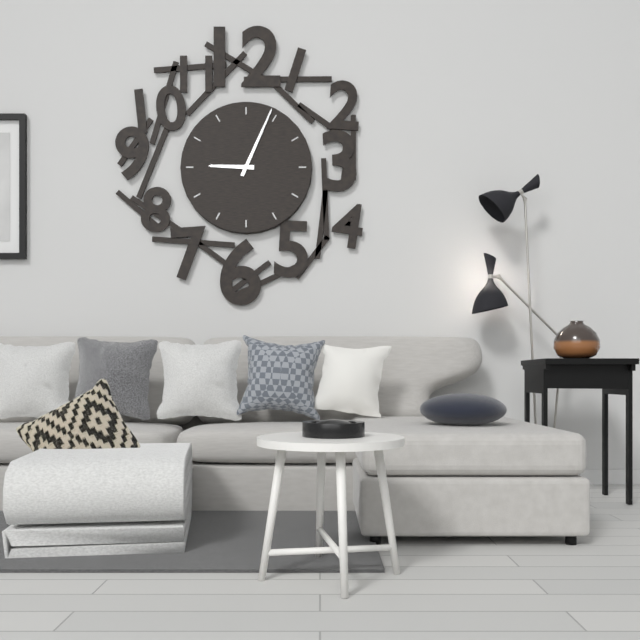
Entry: 9,04
